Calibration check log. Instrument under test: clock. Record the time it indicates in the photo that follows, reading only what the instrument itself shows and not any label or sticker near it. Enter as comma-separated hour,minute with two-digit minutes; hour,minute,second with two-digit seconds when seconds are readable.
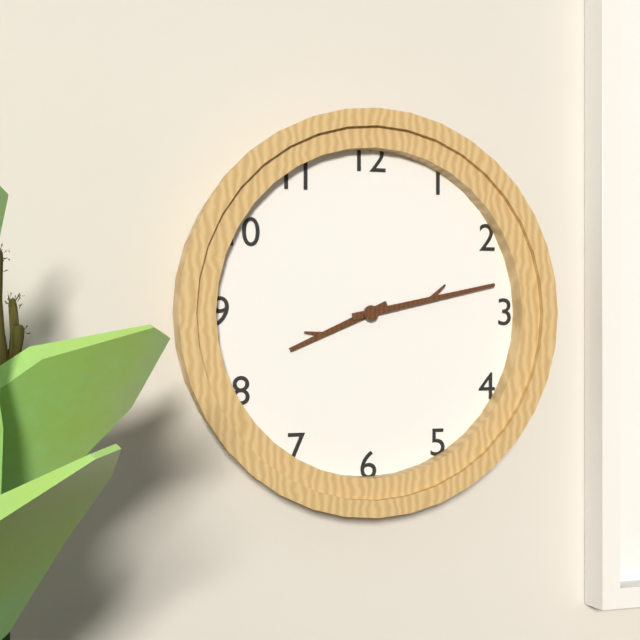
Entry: 8,13
